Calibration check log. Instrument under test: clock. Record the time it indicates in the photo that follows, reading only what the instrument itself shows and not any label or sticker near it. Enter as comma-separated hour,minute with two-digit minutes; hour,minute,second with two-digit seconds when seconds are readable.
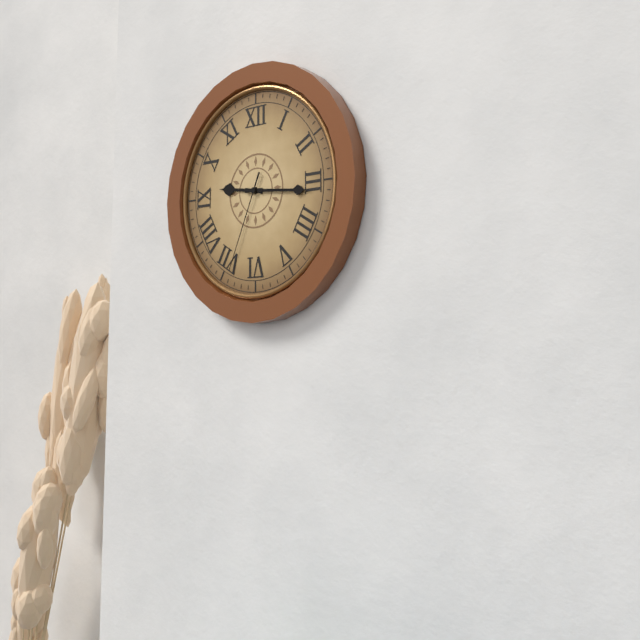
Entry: 9,16,34
